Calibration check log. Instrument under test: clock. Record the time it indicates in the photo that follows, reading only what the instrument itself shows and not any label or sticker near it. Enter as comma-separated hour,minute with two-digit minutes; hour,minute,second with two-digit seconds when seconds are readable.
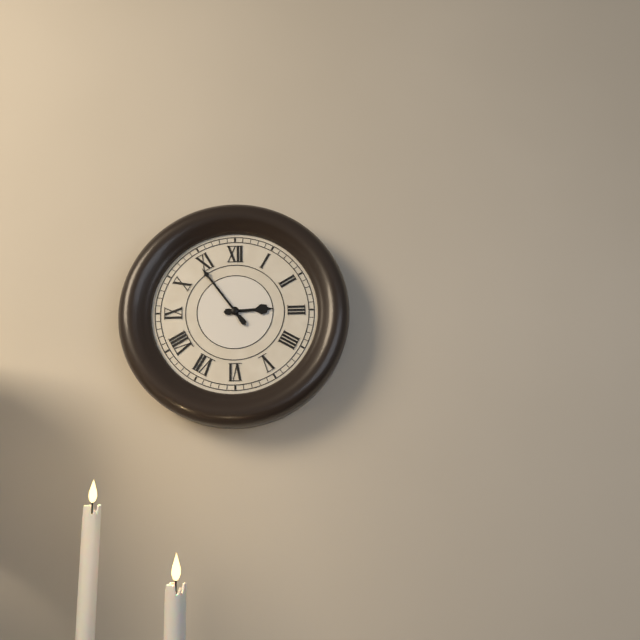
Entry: 2,54
